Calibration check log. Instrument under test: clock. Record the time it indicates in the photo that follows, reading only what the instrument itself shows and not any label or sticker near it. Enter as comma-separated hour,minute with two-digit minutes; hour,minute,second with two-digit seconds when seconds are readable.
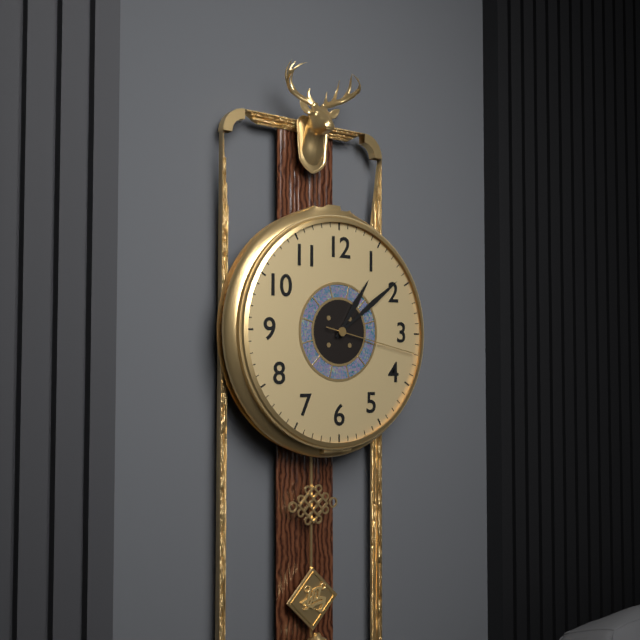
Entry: 1,09,17
